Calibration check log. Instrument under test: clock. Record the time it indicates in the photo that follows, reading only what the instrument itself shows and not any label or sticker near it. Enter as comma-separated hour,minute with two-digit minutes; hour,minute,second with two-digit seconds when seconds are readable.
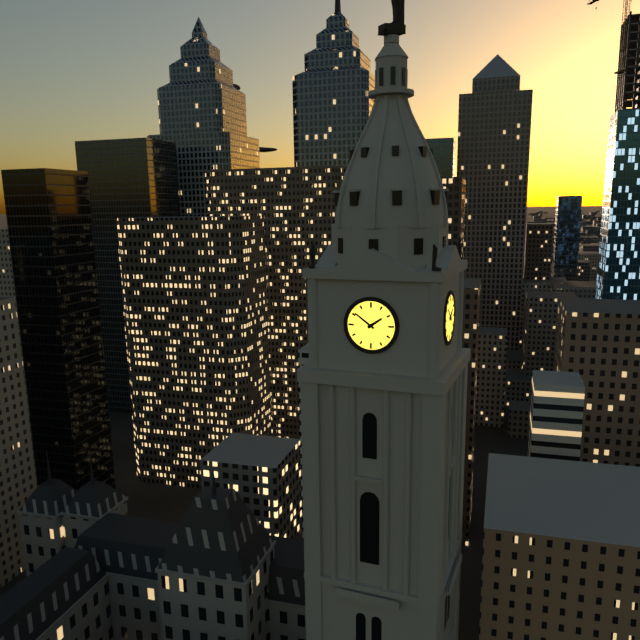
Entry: 1,51
